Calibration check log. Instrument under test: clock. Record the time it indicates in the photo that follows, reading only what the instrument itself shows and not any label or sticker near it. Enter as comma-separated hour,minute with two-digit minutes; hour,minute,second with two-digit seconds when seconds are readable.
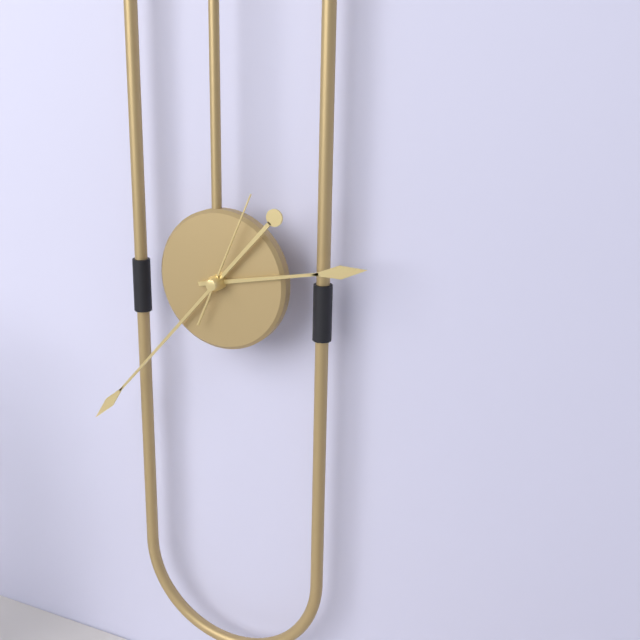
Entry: 2,37,04
